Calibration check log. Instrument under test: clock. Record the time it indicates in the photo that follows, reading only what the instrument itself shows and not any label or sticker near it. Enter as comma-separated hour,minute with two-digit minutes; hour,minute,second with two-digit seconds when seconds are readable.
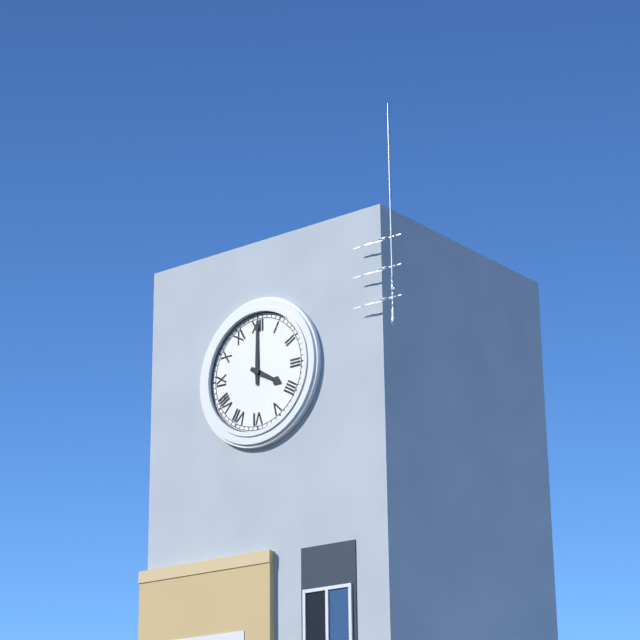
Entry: 4,00
